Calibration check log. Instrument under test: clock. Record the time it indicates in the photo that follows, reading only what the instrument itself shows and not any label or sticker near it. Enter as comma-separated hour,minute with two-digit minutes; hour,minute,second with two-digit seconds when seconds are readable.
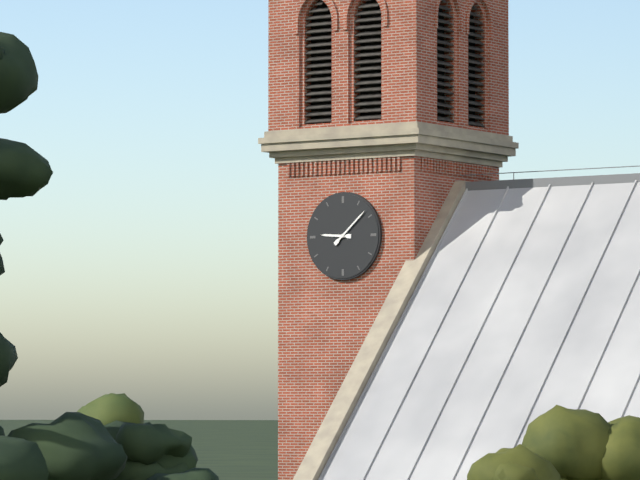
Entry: 9,08
